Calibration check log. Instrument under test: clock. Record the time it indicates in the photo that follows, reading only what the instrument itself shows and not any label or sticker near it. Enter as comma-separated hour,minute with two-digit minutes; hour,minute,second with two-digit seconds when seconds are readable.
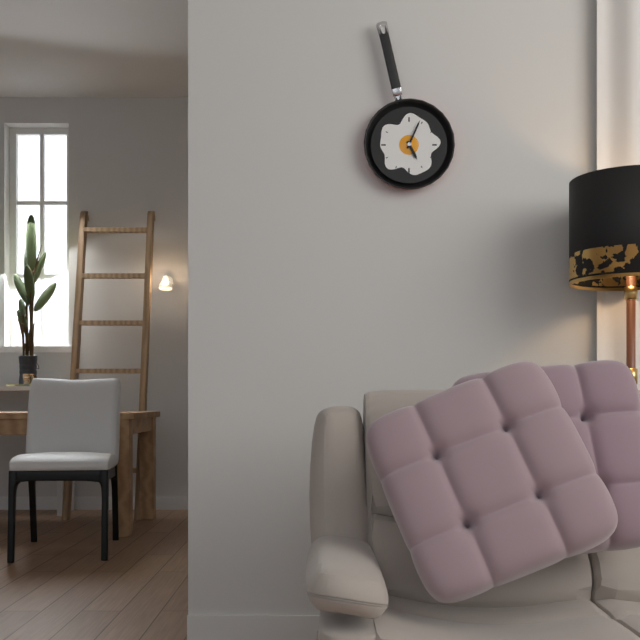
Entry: 5,04
